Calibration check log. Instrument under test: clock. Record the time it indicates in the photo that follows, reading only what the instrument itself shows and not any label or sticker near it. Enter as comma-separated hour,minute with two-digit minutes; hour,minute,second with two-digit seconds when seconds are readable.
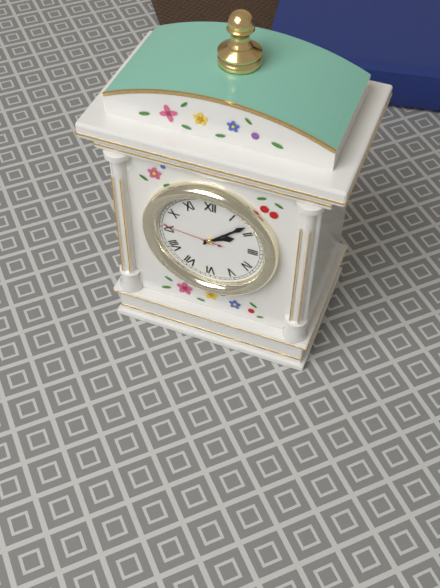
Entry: 2,08,46
